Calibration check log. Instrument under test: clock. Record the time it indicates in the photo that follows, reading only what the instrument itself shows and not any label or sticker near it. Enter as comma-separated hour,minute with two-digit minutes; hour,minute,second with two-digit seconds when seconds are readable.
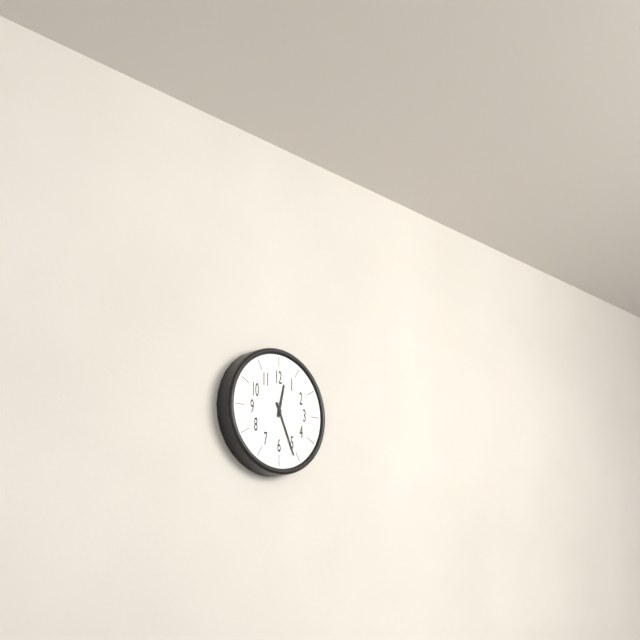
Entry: 12,26
